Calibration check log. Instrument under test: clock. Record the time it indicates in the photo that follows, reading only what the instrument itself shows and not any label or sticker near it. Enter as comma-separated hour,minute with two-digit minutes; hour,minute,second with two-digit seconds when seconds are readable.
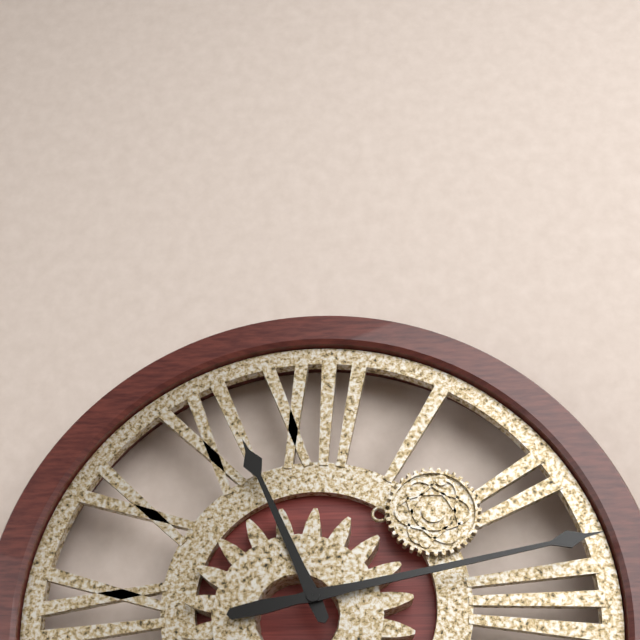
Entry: 11,13
